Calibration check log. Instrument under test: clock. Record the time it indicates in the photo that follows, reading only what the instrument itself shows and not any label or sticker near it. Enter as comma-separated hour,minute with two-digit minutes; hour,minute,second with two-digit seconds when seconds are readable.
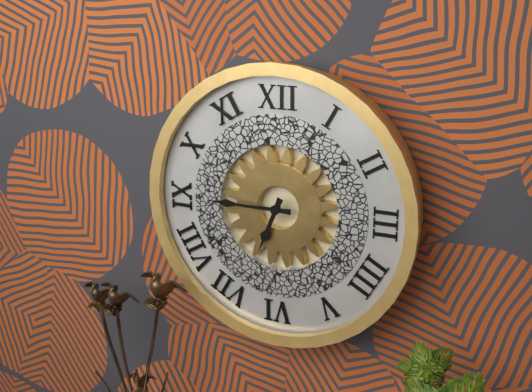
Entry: 6,45
